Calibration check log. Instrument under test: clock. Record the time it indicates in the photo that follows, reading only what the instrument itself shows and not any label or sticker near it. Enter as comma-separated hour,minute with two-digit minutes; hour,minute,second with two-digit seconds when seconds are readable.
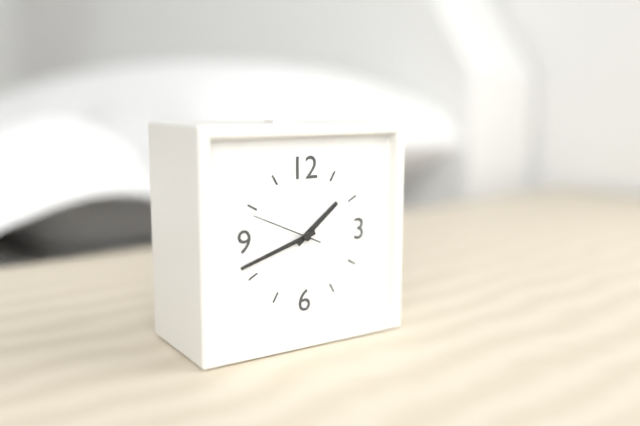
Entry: 1,42,49
